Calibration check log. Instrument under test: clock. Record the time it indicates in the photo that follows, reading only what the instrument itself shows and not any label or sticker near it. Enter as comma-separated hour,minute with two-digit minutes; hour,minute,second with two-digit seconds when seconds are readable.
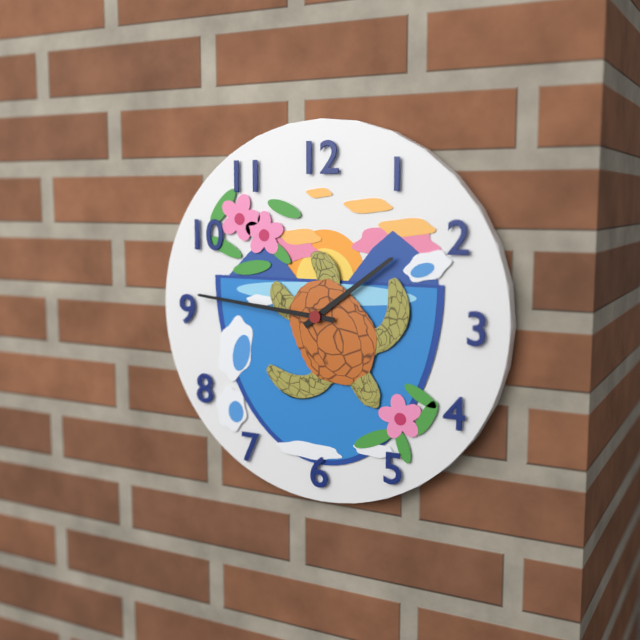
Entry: 1,46
